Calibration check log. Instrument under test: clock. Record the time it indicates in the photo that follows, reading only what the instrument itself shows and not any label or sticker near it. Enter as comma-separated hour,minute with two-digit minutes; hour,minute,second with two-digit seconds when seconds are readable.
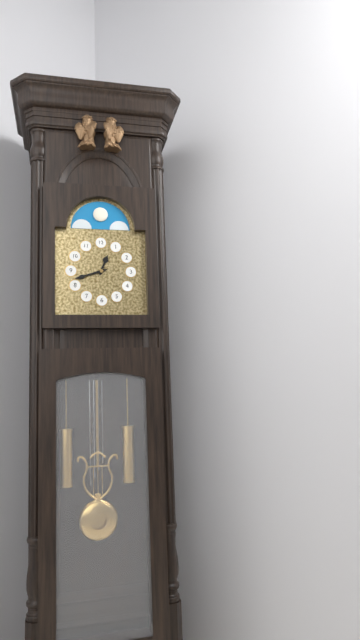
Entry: 12,42
